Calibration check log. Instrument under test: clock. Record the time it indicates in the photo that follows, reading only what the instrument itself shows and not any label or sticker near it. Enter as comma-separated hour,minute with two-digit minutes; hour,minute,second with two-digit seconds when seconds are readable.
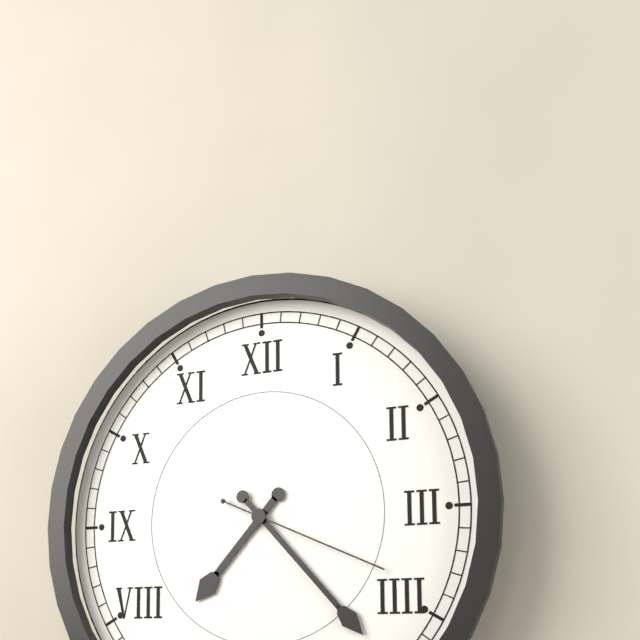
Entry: 7,23,19
